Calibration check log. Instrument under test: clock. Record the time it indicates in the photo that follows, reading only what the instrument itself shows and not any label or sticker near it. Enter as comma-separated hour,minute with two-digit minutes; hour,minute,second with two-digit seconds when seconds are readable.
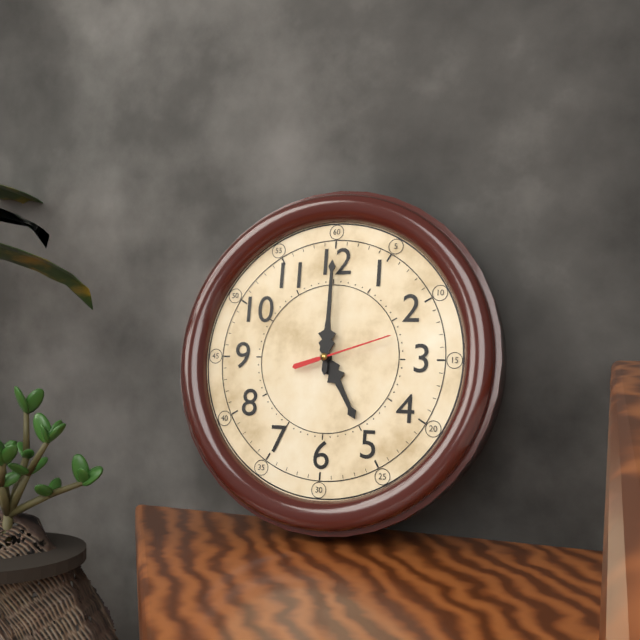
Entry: 5,00,12
